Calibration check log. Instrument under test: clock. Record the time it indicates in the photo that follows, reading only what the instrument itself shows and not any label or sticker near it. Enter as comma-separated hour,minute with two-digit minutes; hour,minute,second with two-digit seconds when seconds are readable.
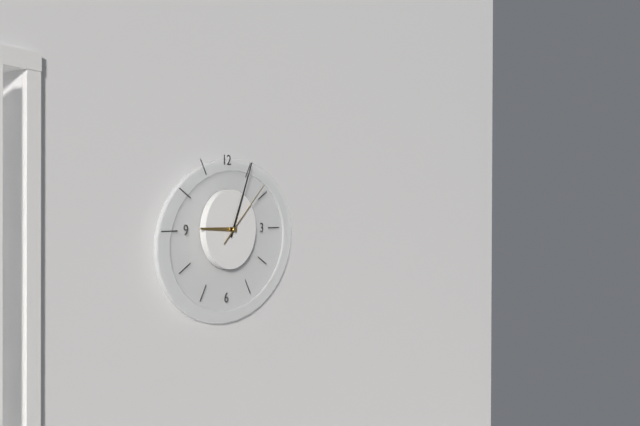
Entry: 9,04,08
